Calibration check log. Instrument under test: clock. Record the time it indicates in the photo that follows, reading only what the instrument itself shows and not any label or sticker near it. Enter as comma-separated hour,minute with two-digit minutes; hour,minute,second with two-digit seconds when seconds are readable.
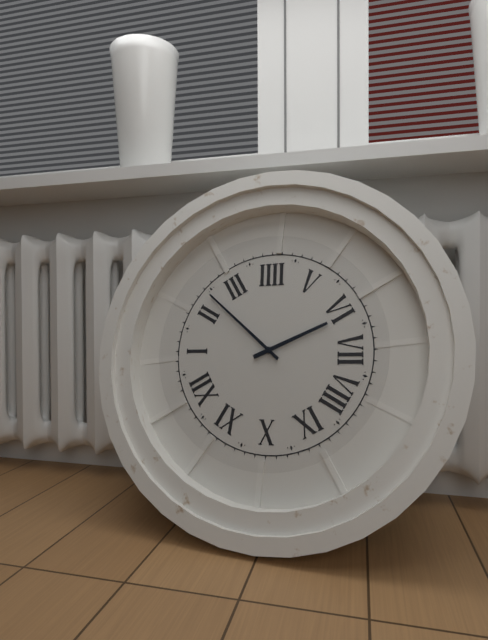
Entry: 6,12
